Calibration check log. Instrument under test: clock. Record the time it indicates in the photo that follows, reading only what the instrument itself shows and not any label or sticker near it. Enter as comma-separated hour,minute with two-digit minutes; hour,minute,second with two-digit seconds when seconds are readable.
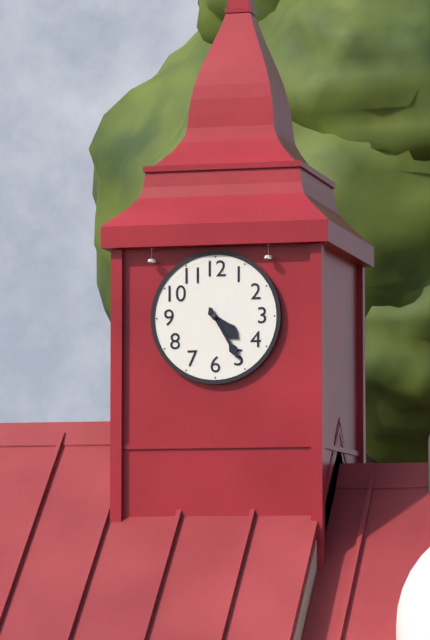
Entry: 4,25
